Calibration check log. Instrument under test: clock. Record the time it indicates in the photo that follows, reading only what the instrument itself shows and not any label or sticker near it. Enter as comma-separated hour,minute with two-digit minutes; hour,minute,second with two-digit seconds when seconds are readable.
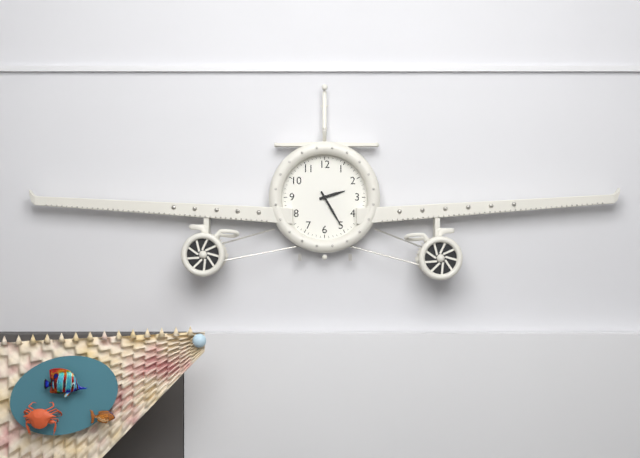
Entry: 2,25
